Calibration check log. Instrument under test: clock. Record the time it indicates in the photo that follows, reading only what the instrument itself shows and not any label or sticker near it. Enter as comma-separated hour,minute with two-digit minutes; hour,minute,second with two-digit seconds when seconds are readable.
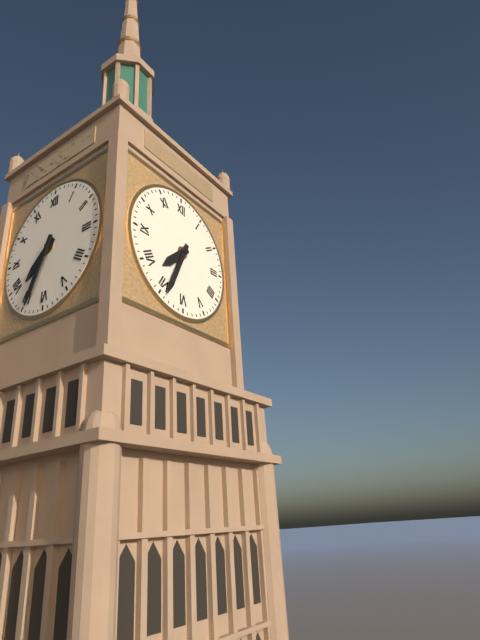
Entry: 7,34
